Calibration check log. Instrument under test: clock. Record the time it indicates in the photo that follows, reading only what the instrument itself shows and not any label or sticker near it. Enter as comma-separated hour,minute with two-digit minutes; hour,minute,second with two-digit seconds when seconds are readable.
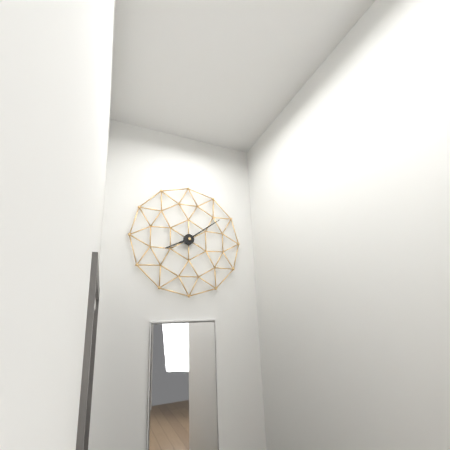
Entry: 8,09
